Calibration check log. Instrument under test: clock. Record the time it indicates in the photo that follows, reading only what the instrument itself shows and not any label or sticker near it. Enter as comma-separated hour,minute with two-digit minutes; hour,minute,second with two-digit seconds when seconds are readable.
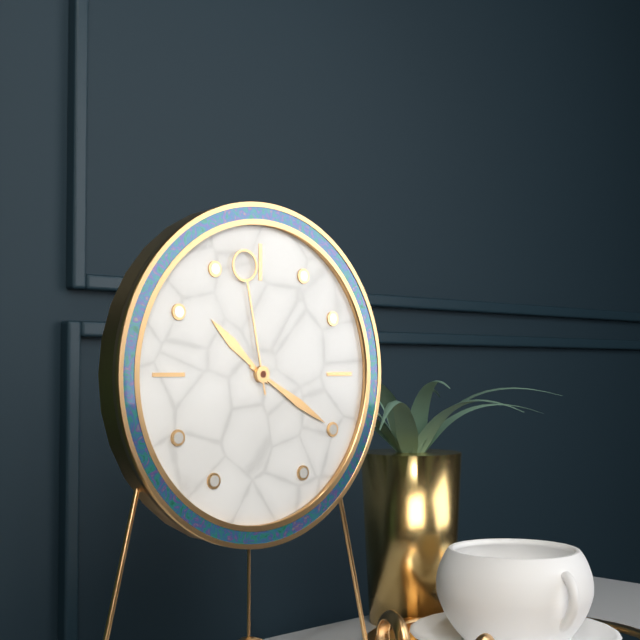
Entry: 10,20,58
